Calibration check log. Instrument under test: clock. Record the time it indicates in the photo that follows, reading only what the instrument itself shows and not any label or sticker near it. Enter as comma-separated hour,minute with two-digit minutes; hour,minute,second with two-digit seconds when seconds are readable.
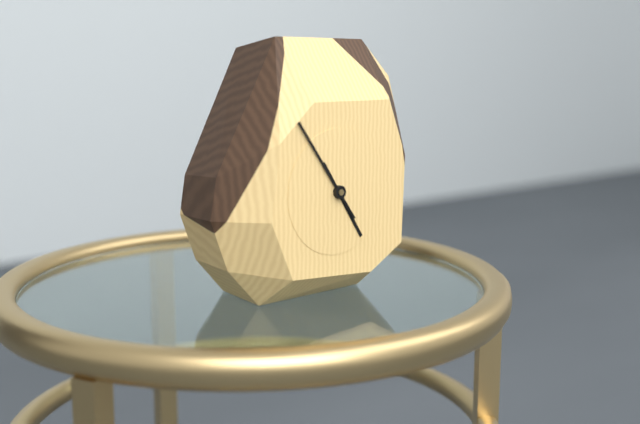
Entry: 4,54
